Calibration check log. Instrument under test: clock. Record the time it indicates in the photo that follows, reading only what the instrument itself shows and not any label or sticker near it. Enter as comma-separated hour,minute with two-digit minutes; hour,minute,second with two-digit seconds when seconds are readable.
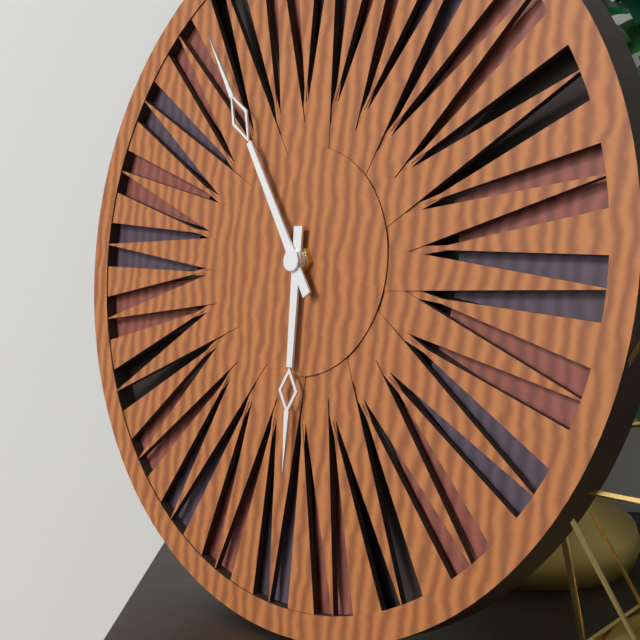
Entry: 5,54
